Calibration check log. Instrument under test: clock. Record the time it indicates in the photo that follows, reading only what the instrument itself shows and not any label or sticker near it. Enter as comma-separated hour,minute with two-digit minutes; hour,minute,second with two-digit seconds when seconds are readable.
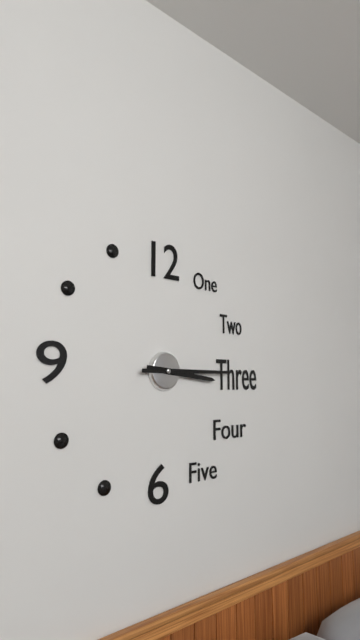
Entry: 3,15
